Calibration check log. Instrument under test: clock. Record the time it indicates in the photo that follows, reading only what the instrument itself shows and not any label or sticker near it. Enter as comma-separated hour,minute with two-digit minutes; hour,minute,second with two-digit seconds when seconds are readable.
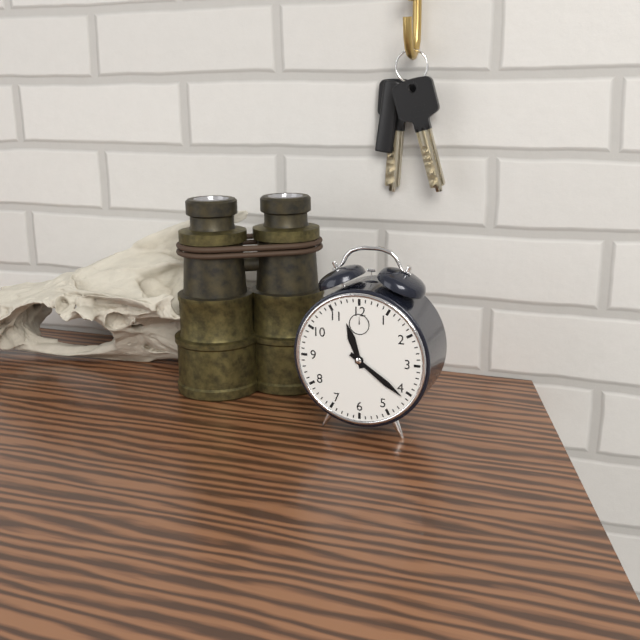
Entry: 11,21
